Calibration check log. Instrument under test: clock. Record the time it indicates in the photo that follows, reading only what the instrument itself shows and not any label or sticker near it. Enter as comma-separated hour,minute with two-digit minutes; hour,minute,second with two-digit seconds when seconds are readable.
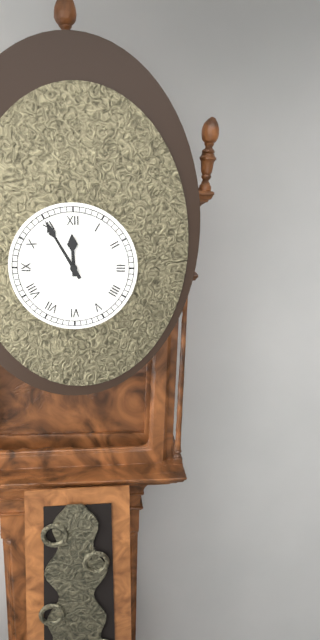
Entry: 11,55
